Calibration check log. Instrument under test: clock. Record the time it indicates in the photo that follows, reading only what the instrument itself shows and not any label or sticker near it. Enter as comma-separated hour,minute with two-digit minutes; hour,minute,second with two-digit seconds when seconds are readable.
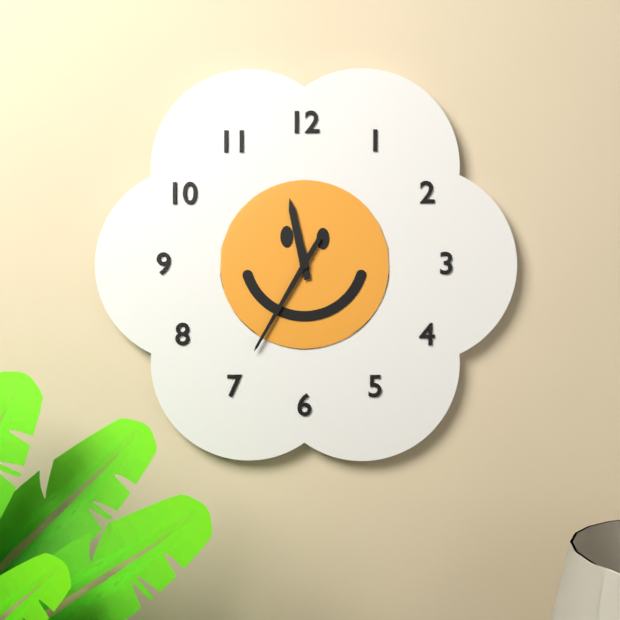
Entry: 11,35
